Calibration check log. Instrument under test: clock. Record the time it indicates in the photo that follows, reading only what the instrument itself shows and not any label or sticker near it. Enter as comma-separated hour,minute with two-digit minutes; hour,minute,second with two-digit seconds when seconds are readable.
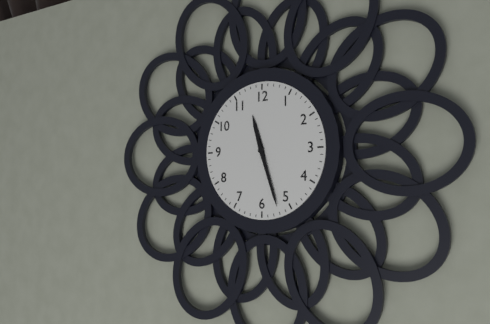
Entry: 11,27
